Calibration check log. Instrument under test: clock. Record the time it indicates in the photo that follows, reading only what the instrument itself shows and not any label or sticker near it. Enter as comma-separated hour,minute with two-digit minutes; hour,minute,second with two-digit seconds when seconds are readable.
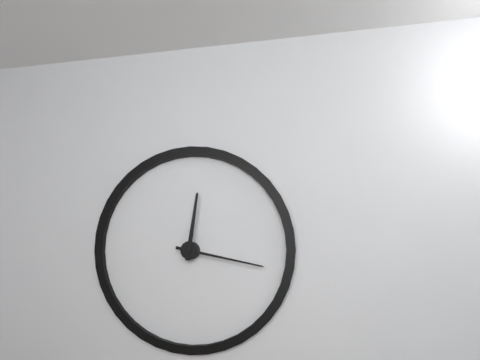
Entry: 12,17
